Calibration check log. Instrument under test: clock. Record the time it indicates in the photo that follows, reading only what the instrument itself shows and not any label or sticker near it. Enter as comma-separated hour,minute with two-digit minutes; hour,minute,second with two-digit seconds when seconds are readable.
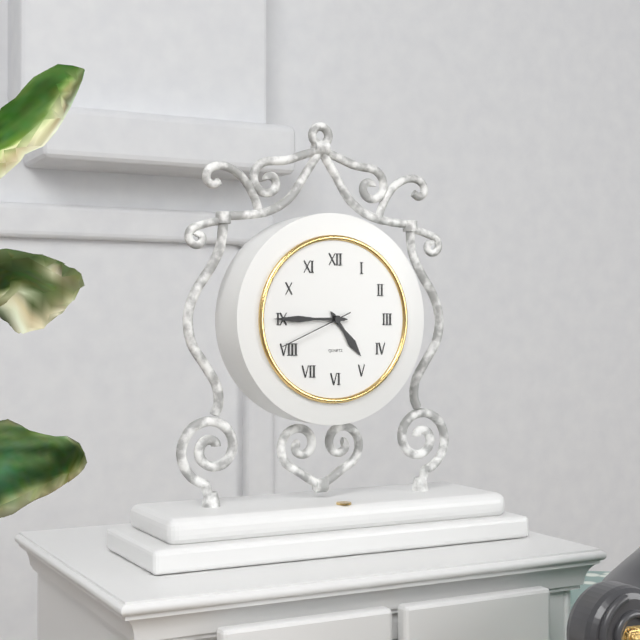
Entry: 4,45,41
